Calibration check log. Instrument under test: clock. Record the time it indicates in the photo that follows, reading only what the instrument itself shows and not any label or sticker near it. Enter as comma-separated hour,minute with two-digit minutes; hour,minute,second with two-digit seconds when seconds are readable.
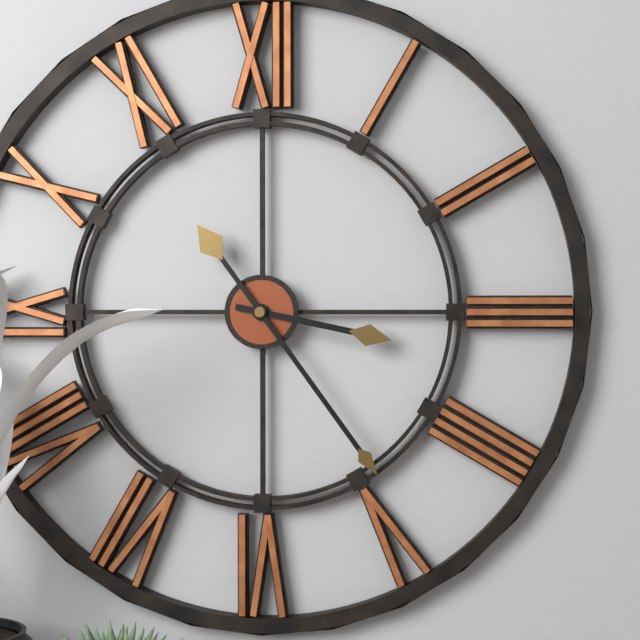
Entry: 3,24
